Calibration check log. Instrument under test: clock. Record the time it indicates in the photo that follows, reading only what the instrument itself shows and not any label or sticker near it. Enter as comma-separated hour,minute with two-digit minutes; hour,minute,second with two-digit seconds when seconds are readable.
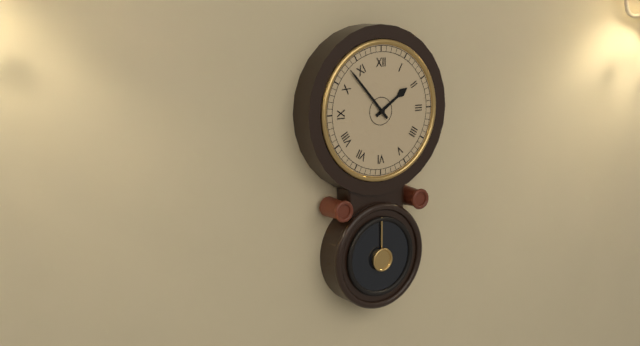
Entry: 1,53
